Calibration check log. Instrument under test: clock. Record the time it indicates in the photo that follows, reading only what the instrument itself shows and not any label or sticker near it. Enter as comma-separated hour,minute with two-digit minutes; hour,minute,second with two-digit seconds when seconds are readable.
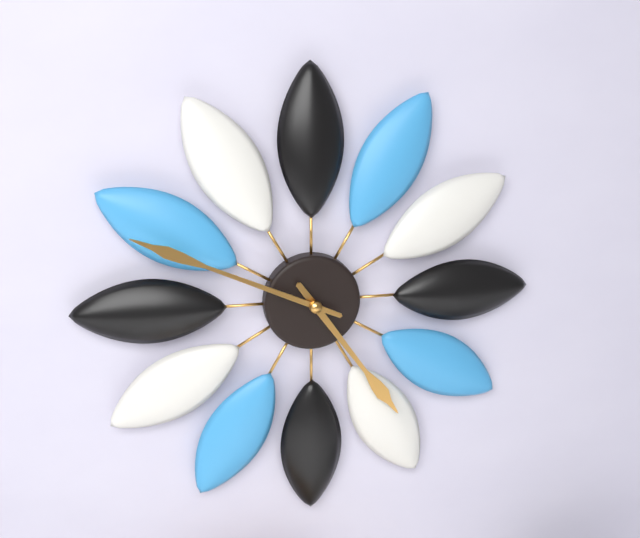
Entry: 4,49
